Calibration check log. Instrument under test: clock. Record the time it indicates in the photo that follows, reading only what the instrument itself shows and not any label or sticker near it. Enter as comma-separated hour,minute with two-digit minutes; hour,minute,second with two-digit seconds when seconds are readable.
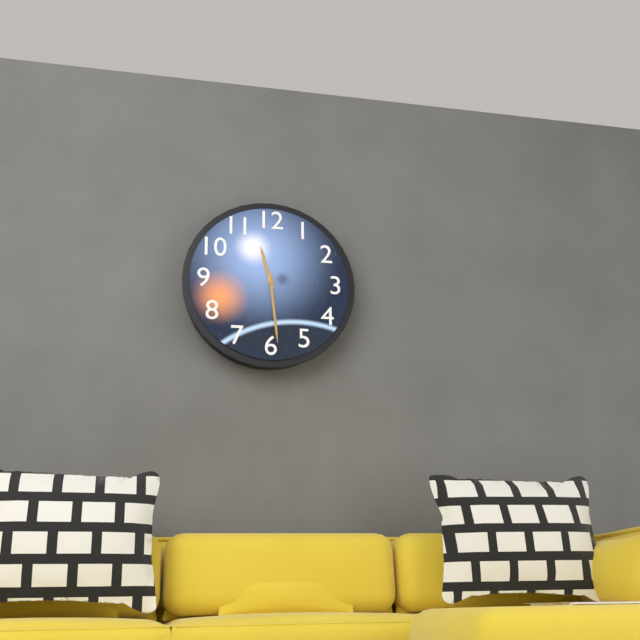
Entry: 11,29
